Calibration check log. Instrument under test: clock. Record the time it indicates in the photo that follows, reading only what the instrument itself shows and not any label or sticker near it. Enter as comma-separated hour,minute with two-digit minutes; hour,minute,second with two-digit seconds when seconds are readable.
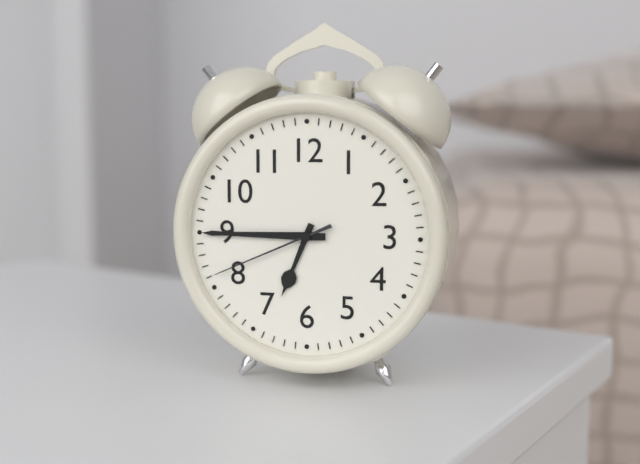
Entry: 6,45,41
